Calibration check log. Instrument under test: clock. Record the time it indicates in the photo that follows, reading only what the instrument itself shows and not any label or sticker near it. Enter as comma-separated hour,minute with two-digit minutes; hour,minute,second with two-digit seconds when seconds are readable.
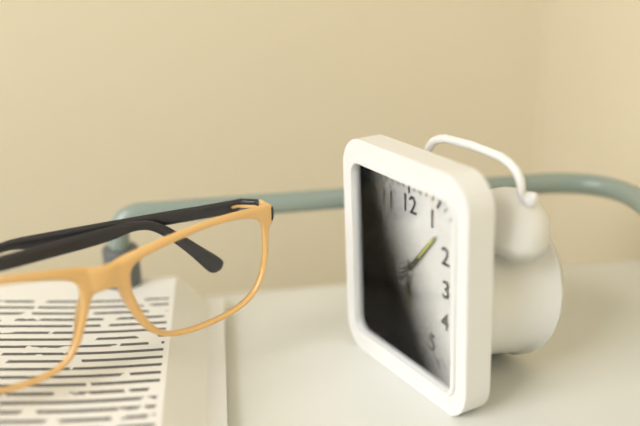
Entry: 6,07,44
